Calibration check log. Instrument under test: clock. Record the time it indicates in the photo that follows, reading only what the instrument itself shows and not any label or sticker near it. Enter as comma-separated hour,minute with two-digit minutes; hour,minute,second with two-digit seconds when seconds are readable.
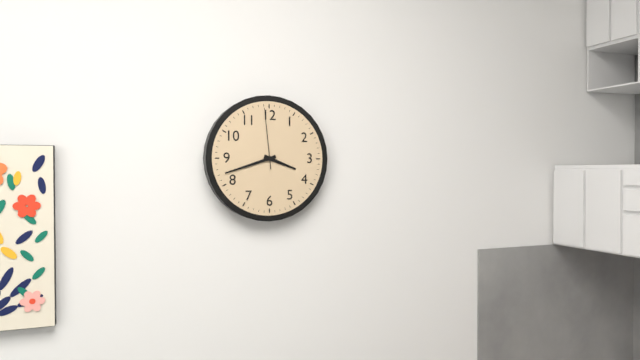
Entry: 3,42,59
